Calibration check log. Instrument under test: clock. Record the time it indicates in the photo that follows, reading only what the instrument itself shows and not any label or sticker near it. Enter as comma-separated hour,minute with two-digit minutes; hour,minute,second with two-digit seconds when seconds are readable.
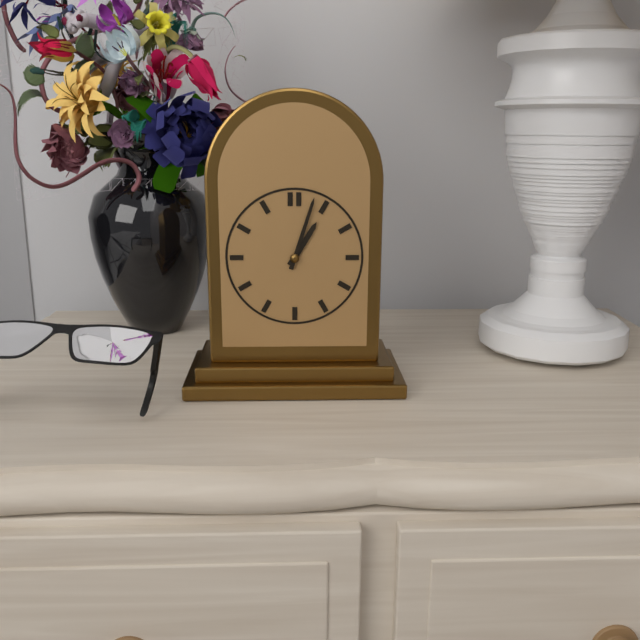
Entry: 1,03
